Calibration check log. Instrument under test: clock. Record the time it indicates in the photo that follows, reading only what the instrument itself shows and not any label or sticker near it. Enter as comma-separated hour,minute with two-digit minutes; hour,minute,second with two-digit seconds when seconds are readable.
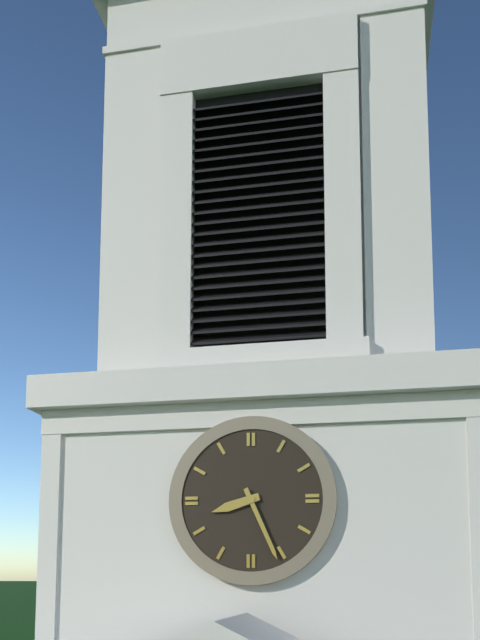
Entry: 8,26
